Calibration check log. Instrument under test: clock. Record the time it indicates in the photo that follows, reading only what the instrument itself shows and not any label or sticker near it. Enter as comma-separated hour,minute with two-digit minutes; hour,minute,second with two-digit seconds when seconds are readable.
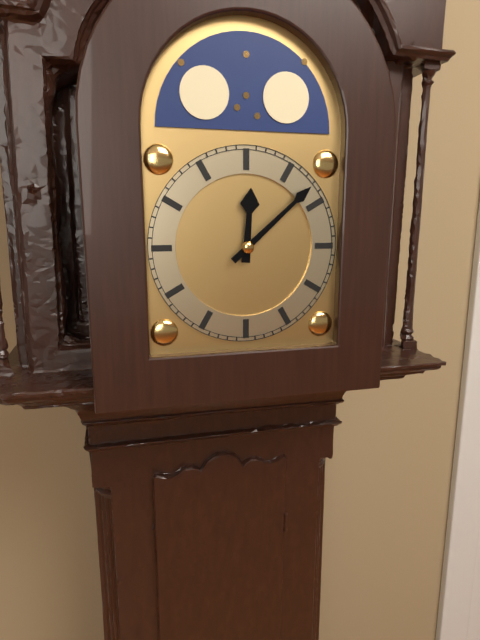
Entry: 12,08
